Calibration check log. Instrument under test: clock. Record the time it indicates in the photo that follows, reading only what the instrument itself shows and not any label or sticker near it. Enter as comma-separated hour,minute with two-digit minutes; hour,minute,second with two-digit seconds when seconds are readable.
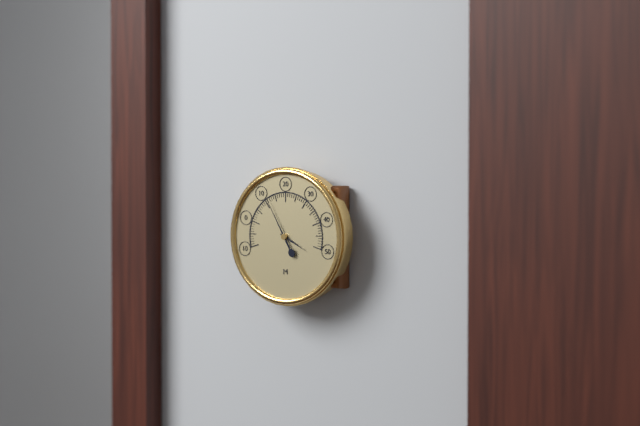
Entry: 3,55
